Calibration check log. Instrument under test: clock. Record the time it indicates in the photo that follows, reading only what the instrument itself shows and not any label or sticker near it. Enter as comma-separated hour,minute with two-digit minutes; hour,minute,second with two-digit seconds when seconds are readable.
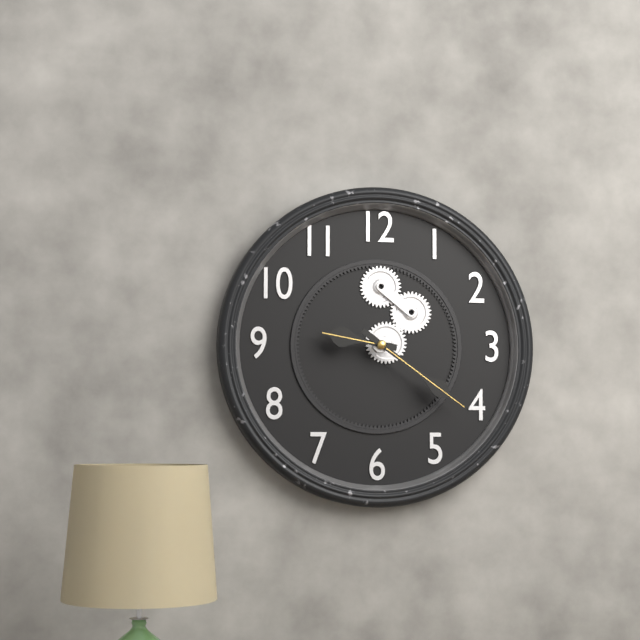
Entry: 9,21
